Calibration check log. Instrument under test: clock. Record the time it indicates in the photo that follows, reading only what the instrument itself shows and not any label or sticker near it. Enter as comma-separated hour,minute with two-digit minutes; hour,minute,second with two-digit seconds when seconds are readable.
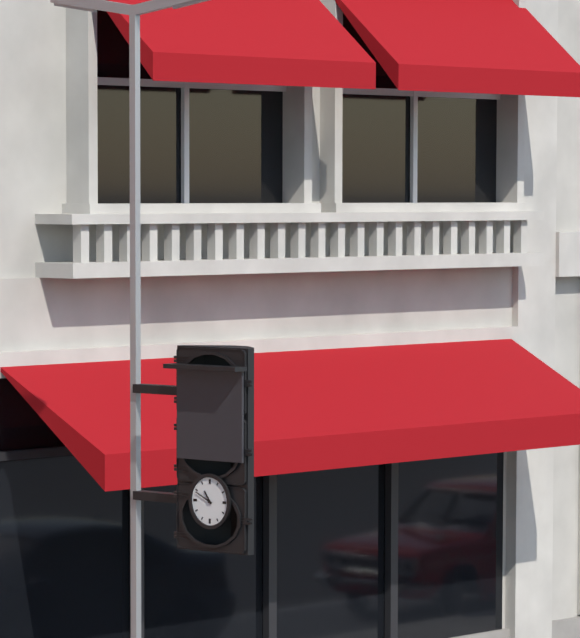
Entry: 10,49
